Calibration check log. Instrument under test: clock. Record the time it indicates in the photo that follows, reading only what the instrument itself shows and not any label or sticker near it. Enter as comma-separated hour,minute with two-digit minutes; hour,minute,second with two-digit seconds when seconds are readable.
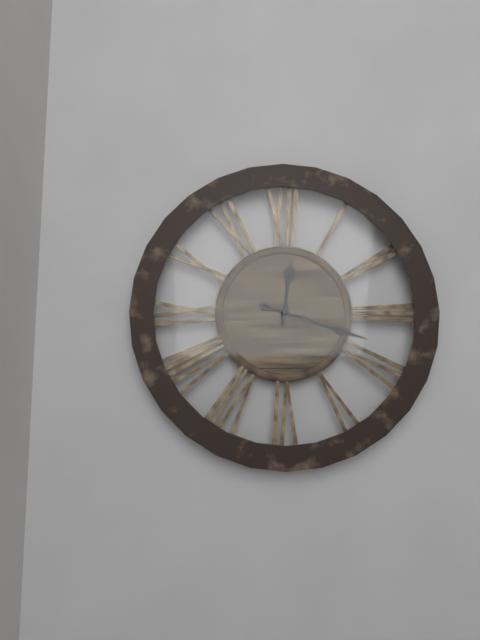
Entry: 12,18
